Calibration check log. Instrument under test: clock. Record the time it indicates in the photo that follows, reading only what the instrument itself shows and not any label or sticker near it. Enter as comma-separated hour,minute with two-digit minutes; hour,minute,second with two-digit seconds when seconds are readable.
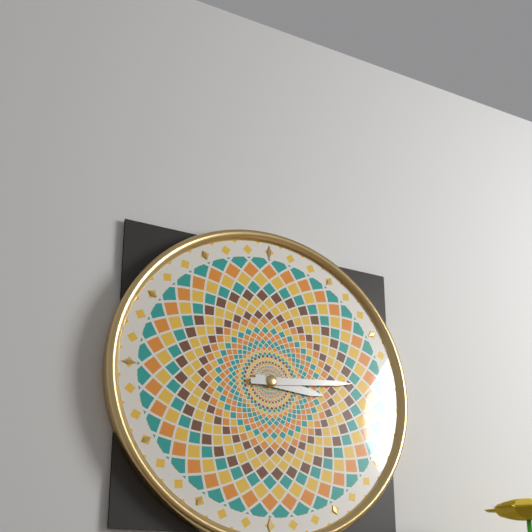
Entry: 3,14
